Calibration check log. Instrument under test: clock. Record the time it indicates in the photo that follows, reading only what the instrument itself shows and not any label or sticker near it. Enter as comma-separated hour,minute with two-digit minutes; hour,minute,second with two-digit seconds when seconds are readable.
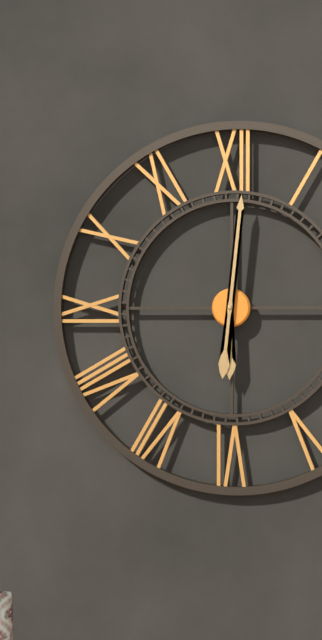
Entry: 6,01
